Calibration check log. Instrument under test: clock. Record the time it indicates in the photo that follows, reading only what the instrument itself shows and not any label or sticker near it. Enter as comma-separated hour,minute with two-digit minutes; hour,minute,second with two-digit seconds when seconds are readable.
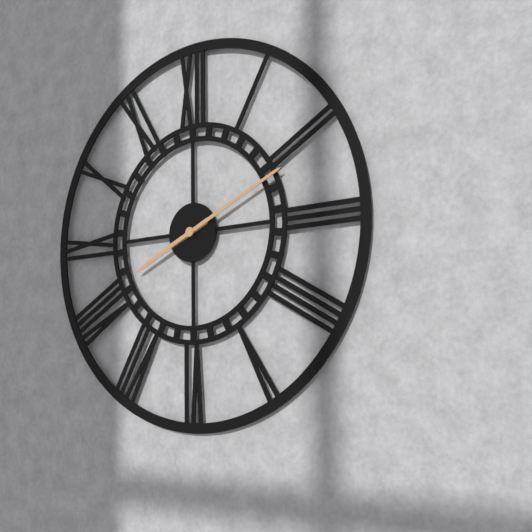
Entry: 8,11
